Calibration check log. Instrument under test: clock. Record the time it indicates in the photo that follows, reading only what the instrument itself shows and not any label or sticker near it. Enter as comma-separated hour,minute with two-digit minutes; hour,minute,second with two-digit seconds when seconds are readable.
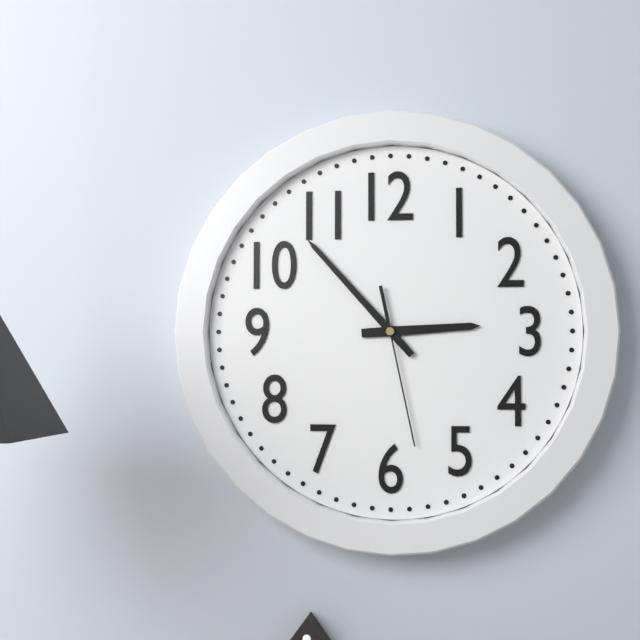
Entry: 2,53,28
